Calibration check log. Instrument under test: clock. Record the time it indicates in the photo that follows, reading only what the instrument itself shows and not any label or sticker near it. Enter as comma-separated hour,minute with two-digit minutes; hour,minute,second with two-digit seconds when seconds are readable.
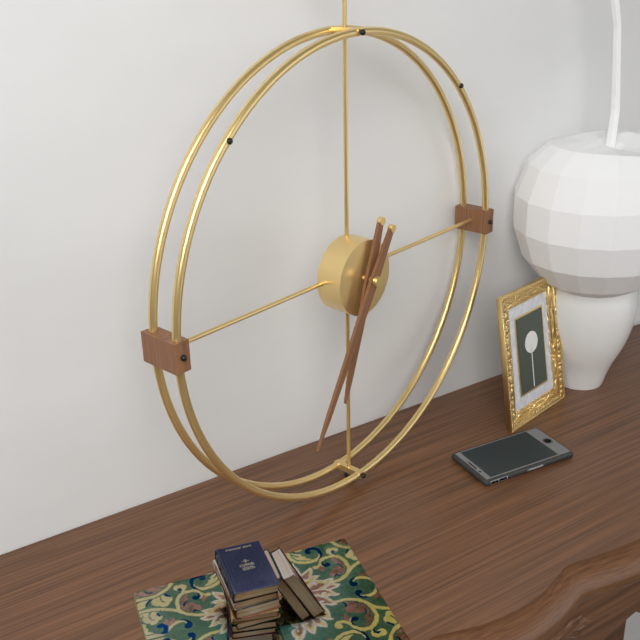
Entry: 6,35
